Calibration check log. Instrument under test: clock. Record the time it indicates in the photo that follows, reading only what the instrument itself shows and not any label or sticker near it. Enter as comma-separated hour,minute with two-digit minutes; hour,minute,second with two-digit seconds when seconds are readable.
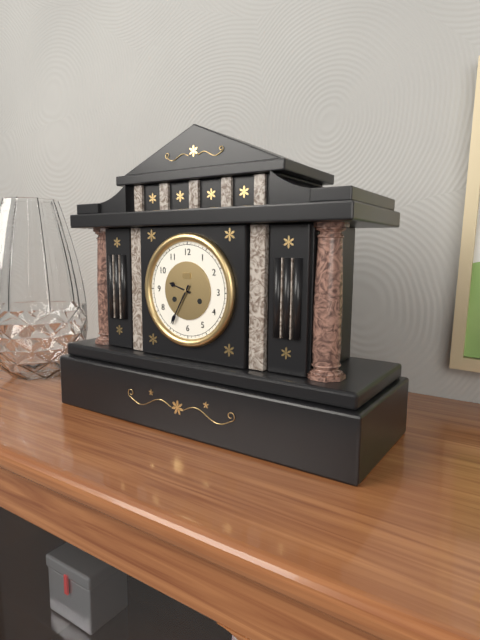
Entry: 9,35
